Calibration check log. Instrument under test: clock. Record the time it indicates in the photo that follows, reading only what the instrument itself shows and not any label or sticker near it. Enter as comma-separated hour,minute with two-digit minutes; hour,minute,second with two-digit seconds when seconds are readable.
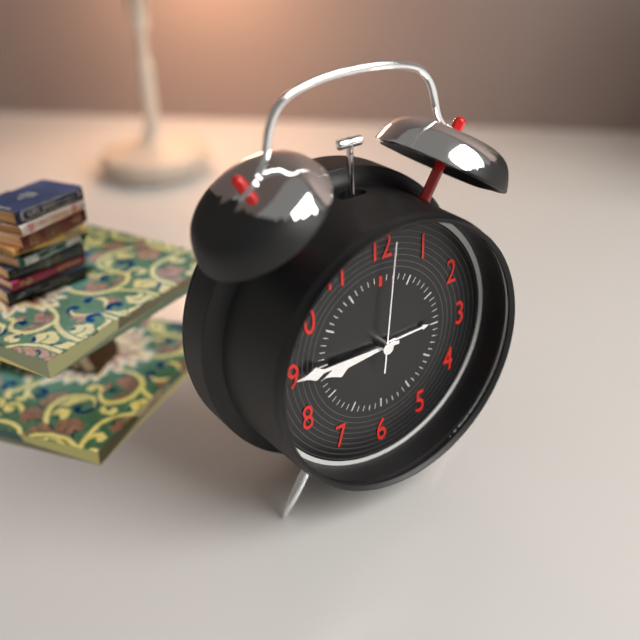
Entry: 8,45,01
